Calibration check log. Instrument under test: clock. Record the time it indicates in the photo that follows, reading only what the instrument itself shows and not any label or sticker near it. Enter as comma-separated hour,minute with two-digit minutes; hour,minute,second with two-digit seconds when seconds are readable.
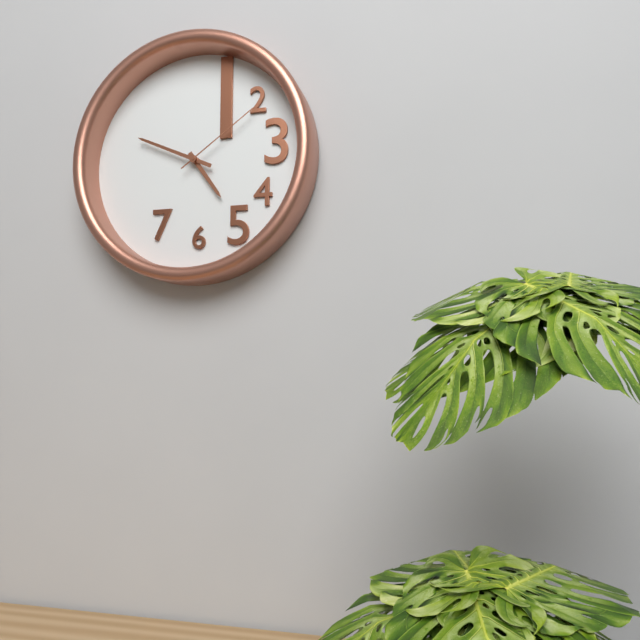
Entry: 4,49,09
